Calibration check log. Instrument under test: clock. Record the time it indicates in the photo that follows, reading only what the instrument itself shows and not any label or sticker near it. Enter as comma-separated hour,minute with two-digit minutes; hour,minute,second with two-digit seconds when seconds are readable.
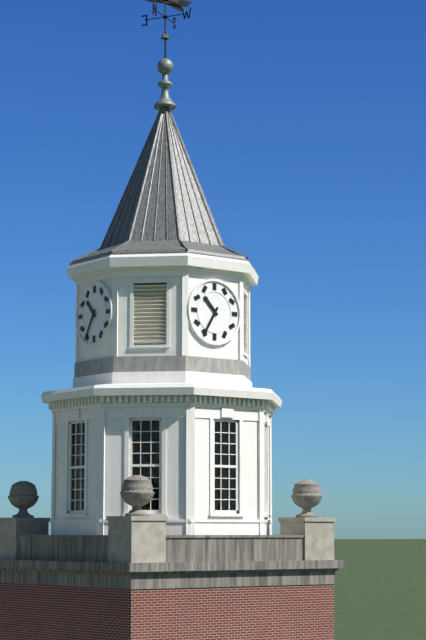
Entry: 10,35
